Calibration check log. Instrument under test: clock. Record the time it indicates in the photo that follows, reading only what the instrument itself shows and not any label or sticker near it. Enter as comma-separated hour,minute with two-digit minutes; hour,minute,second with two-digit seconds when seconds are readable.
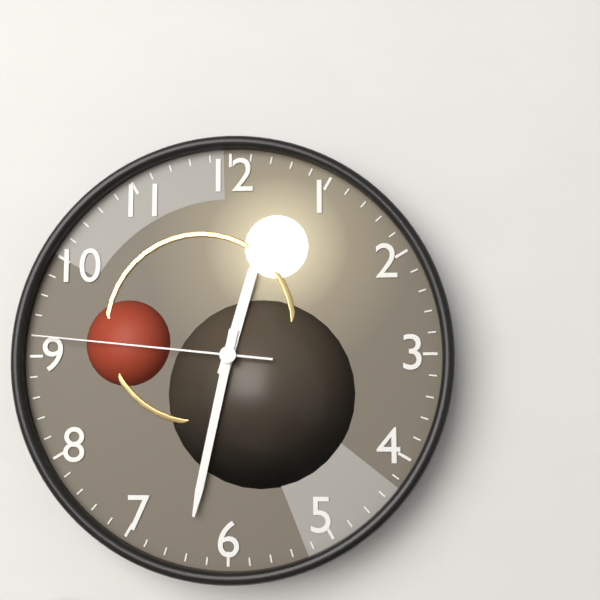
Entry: 12,32,46
